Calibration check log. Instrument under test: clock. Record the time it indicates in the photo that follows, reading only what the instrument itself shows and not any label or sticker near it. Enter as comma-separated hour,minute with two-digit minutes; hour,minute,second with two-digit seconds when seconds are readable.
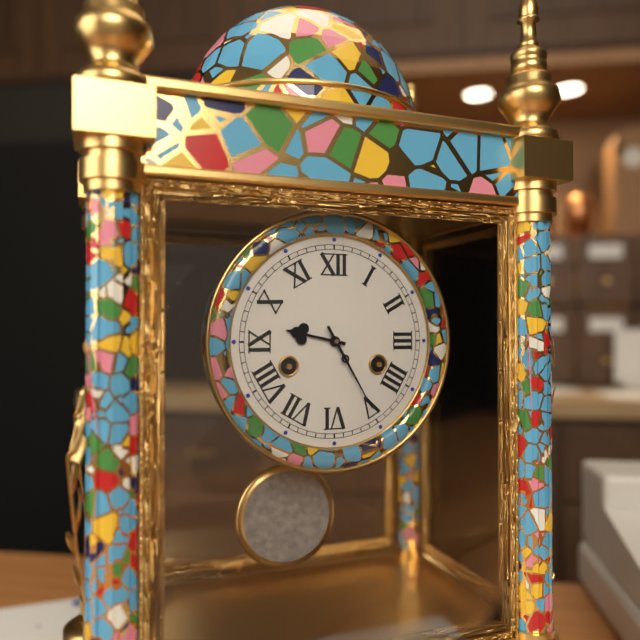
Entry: 9,25
